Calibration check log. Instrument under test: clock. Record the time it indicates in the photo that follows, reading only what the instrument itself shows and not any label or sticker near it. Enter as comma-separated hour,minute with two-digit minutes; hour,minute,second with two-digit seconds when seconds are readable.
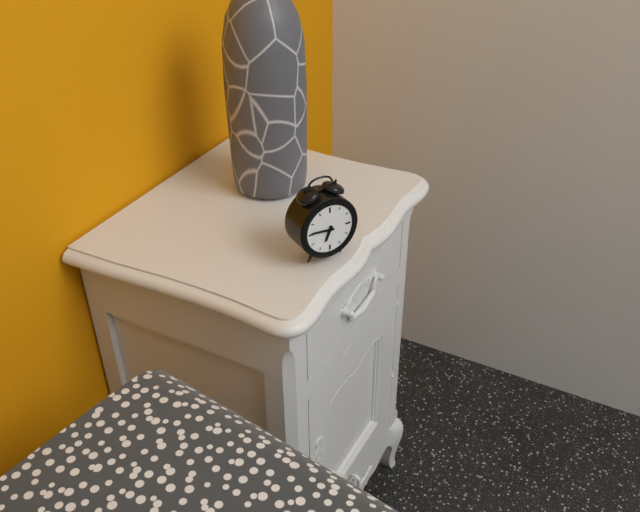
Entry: 6,46
